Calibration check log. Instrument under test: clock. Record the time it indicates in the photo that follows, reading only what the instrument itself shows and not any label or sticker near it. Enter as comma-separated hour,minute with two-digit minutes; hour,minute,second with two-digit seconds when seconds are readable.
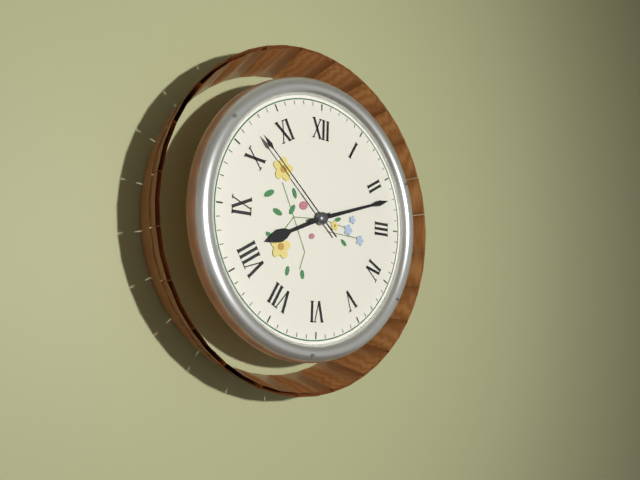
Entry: 8,12,52
